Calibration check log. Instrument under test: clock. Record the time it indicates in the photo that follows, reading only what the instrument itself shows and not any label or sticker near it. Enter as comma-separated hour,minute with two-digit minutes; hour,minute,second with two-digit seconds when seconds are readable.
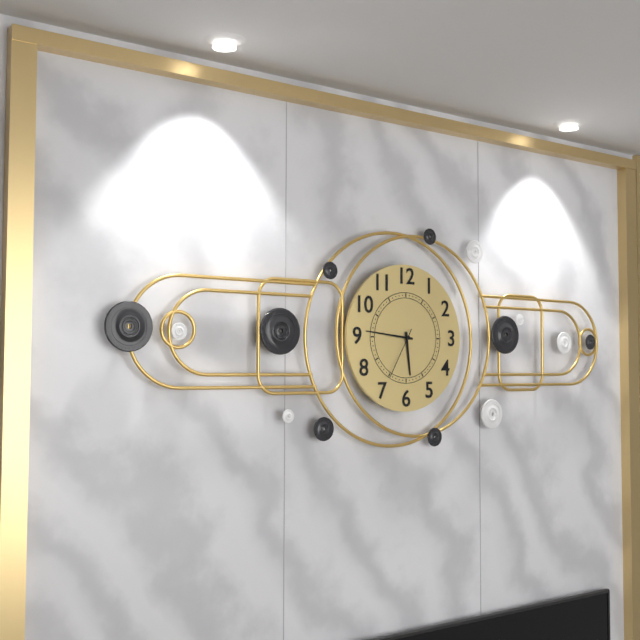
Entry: 5,46,35
